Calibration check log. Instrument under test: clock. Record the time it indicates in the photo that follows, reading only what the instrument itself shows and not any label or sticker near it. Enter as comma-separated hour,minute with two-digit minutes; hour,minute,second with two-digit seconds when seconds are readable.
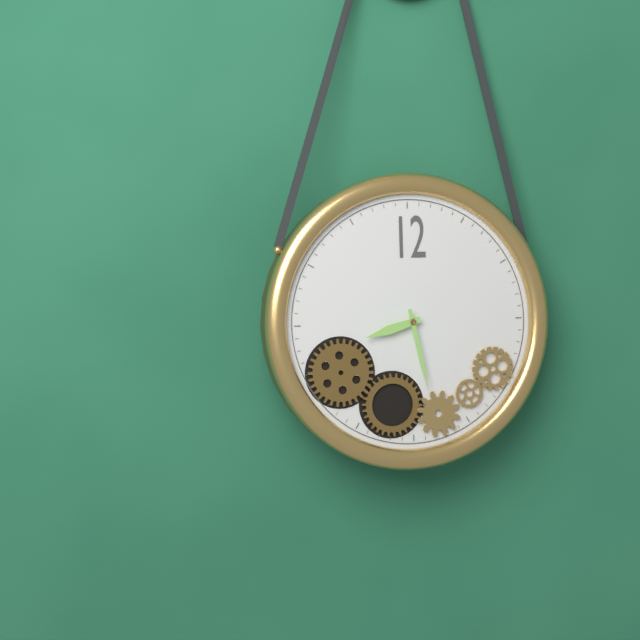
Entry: 8,28
